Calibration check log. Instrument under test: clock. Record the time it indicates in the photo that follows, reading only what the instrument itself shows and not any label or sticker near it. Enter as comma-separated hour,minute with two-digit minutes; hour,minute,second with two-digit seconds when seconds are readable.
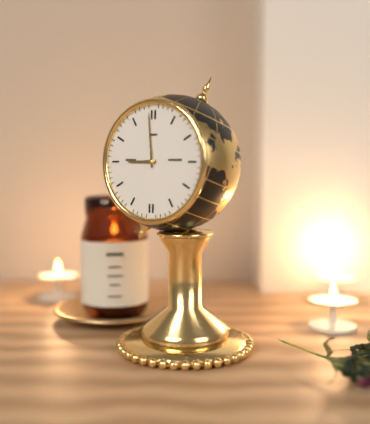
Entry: 8,59
